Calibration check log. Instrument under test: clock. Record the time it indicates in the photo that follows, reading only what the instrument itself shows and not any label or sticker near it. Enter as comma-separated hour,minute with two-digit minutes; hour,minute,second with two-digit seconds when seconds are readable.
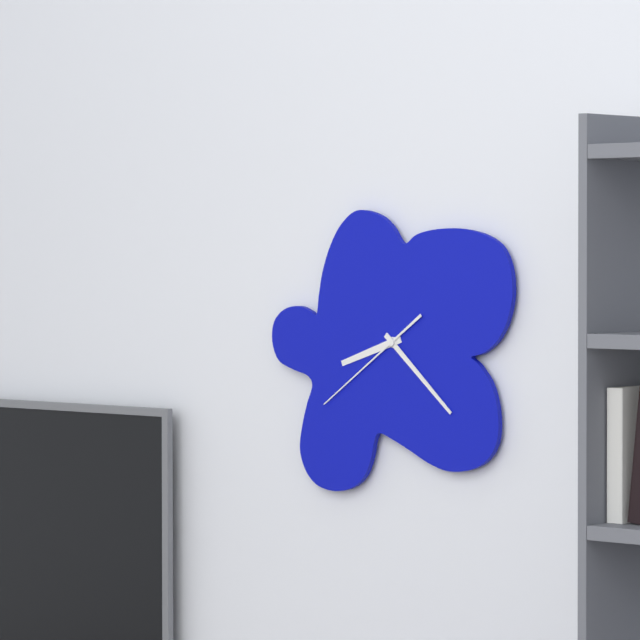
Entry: 8,22,39
